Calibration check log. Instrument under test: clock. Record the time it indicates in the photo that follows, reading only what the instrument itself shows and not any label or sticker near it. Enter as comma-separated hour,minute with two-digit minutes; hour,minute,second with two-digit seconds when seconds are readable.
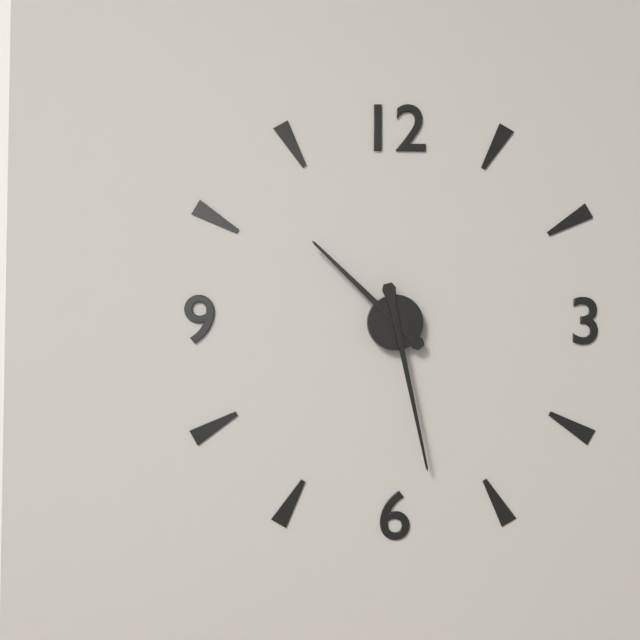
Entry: 10,28
